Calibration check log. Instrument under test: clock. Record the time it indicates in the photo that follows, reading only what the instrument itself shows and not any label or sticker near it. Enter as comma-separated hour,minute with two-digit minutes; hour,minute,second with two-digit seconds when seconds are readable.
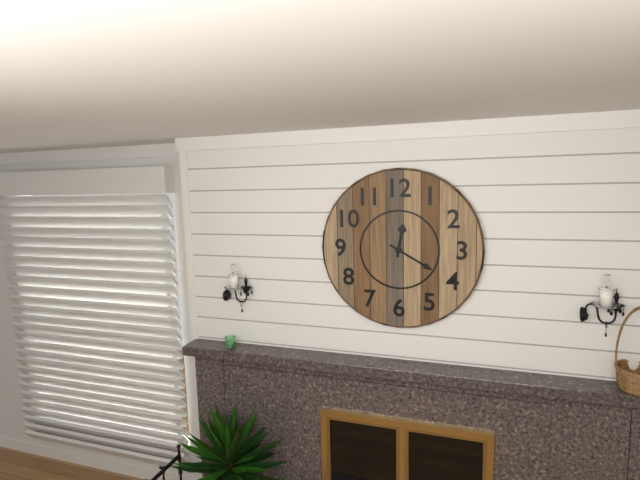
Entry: 12,20
